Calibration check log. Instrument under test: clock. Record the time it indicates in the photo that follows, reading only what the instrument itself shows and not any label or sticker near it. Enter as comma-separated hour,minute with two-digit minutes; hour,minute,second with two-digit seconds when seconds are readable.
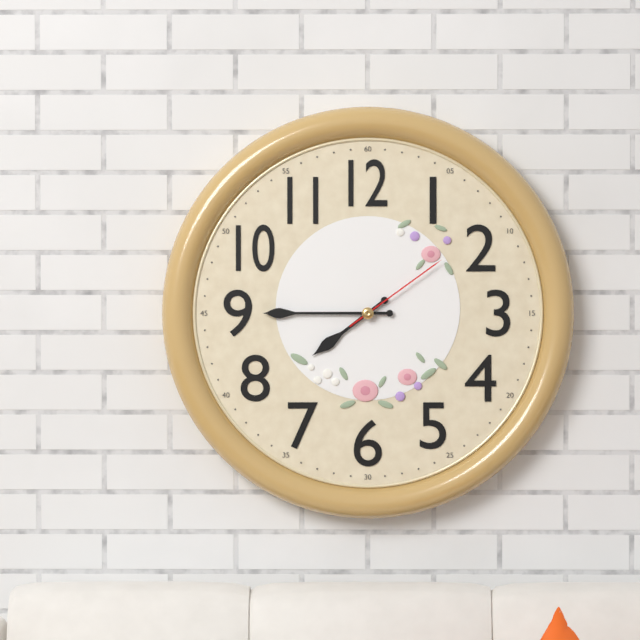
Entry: 7,45,09
